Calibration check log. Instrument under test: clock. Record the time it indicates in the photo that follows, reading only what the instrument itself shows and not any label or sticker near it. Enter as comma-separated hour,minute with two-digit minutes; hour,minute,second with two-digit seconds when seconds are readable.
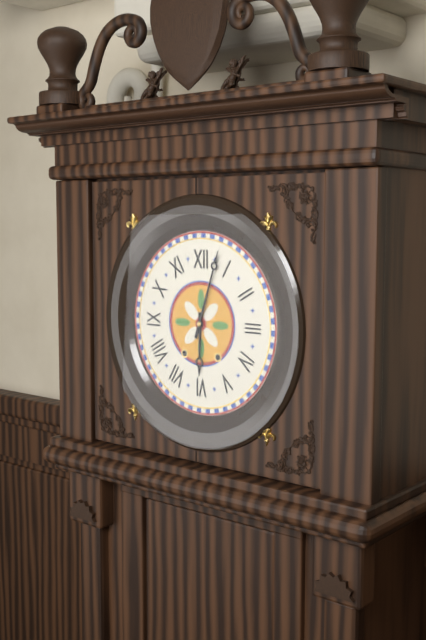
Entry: 6,03
